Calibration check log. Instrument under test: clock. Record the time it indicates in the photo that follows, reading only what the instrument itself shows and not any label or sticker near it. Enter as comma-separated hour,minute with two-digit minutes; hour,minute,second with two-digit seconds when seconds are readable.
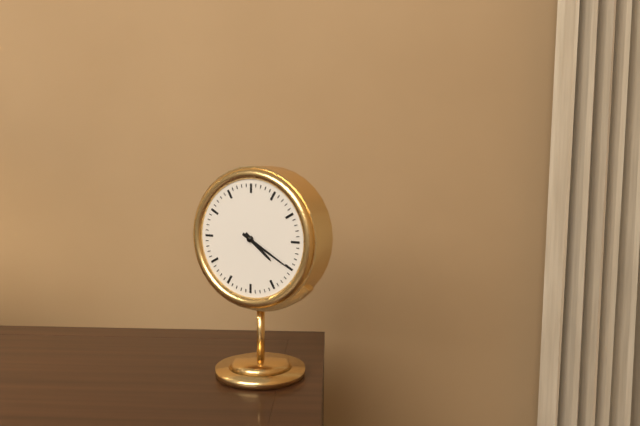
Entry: 4,20
